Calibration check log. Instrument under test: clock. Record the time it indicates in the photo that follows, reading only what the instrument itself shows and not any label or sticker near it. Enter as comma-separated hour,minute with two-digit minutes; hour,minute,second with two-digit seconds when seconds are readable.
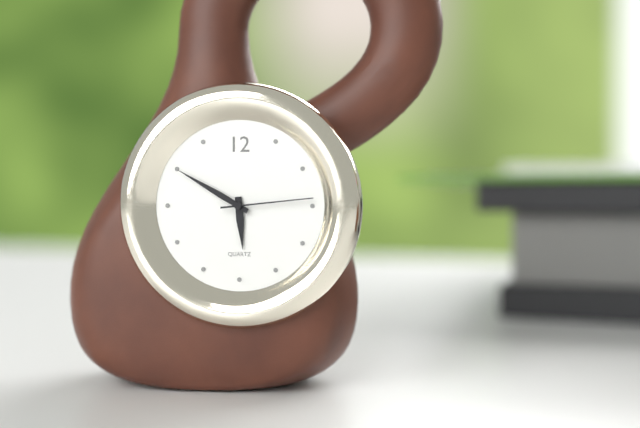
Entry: 5,50,14
